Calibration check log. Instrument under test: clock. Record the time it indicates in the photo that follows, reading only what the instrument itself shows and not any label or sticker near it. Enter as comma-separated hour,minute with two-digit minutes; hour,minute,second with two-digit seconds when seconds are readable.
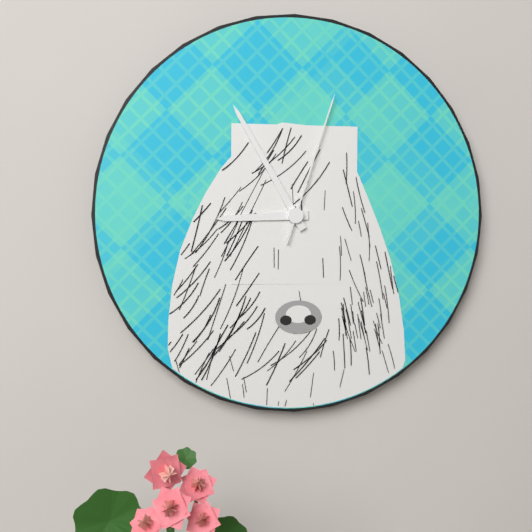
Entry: 8,55,03
